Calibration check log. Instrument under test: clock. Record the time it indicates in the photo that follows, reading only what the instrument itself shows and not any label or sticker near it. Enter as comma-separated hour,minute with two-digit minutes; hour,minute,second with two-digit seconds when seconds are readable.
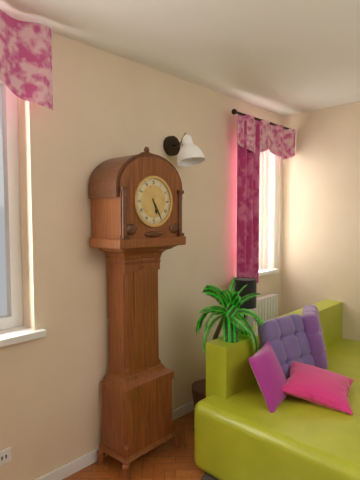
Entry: 5,25
